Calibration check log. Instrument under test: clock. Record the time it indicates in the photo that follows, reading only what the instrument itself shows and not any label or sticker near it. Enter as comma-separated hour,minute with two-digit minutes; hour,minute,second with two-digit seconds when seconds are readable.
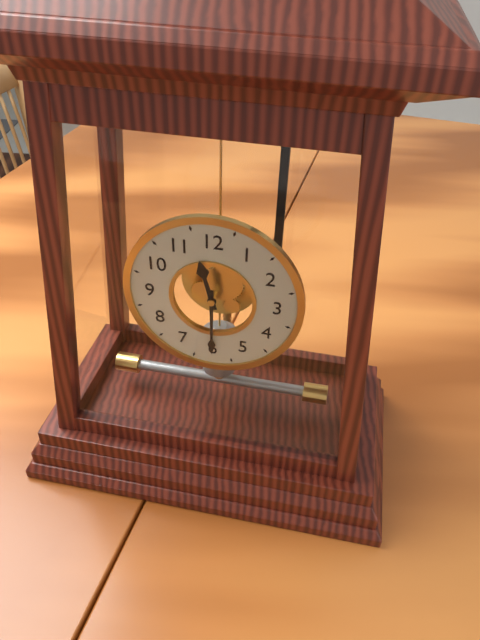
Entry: 11,30
